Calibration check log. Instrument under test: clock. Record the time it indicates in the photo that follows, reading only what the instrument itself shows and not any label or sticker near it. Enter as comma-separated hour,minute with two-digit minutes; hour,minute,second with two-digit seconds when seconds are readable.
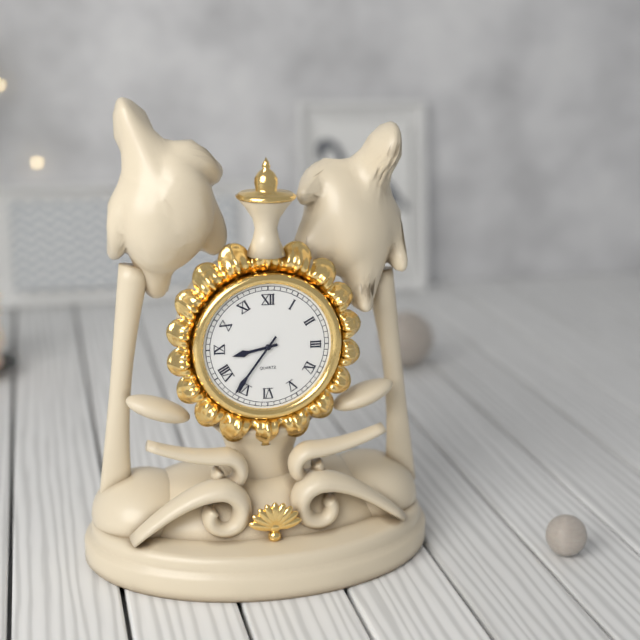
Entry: 8,36
